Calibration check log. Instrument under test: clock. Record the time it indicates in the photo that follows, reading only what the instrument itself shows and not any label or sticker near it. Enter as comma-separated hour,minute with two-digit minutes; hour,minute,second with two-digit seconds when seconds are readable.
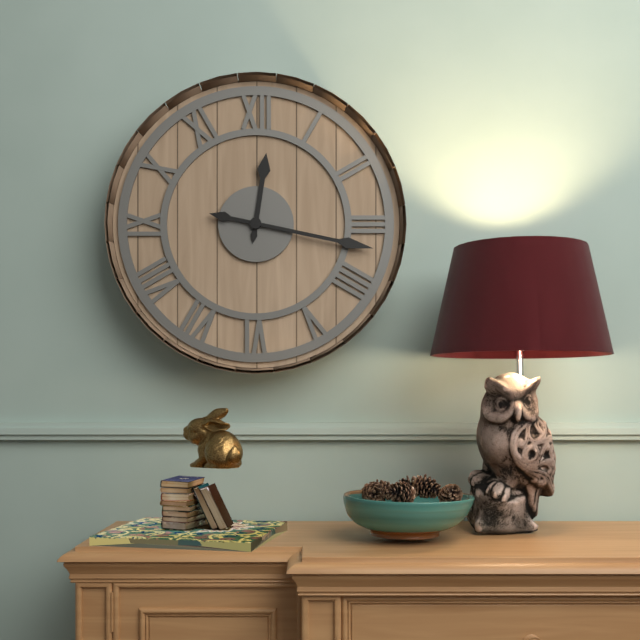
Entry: 12,17
